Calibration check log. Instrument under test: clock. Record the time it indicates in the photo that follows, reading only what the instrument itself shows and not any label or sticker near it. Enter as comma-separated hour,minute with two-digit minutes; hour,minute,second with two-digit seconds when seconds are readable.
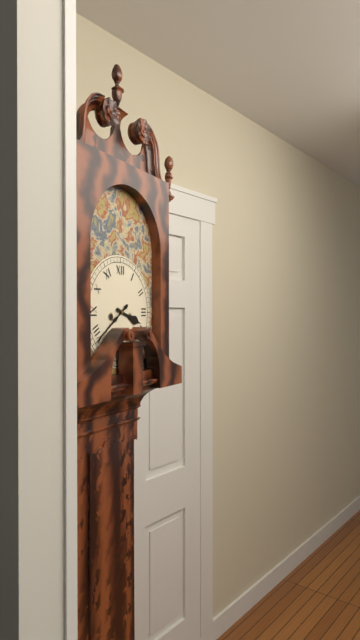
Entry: 3,39
